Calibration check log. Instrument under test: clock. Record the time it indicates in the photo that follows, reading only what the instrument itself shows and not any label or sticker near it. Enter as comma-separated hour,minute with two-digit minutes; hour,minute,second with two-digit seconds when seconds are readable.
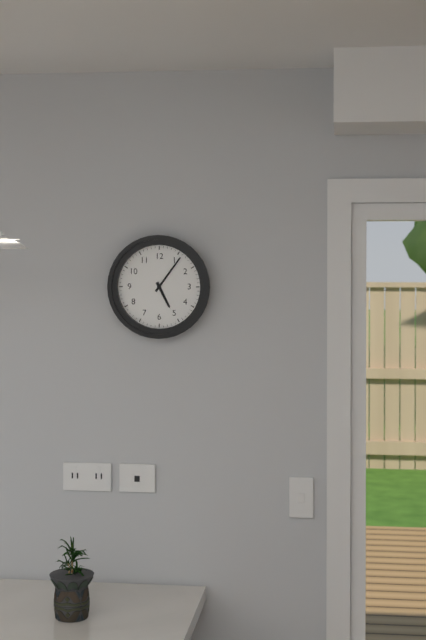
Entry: 5,06
